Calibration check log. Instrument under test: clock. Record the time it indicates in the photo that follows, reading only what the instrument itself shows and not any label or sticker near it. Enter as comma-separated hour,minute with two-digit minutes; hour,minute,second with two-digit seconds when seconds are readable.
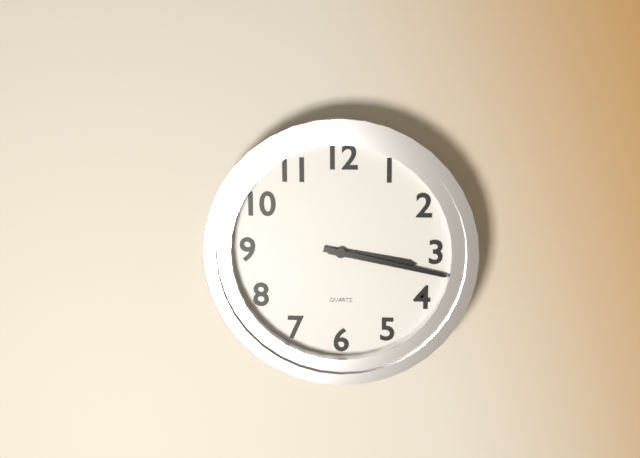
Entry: 3,17
